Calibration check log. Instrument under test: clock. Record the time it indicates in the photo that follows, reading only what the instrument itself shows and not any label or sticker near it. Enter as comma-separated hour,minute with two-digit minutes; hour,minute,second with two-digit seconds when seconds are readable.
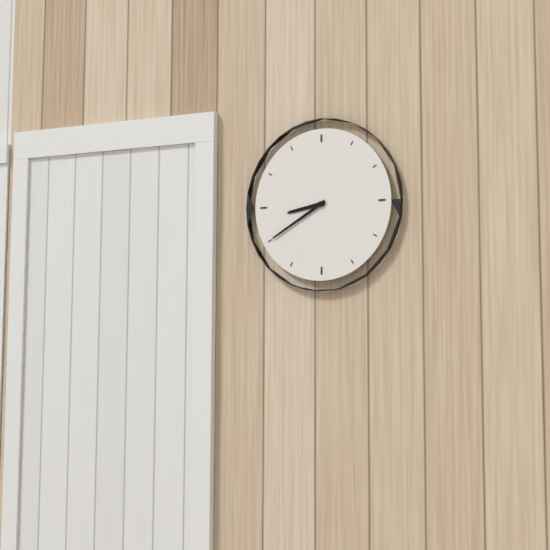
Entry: 8,40
